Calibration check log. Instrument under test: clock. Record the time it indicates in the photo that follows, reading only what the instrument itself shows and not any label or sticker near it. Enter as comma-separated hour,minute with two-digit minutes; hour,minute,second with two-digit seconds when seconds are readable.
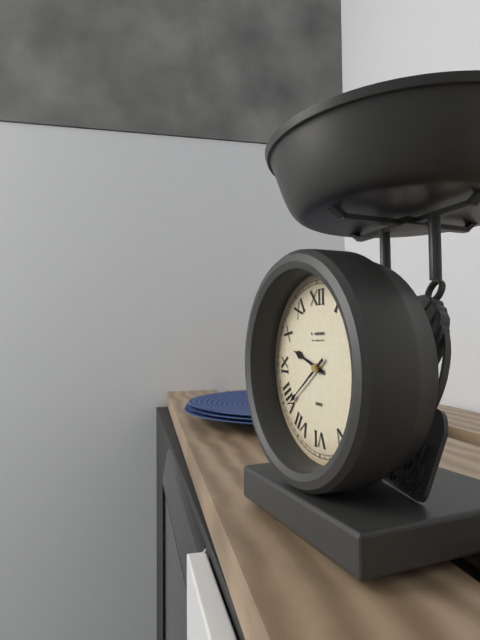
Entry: 9,39
